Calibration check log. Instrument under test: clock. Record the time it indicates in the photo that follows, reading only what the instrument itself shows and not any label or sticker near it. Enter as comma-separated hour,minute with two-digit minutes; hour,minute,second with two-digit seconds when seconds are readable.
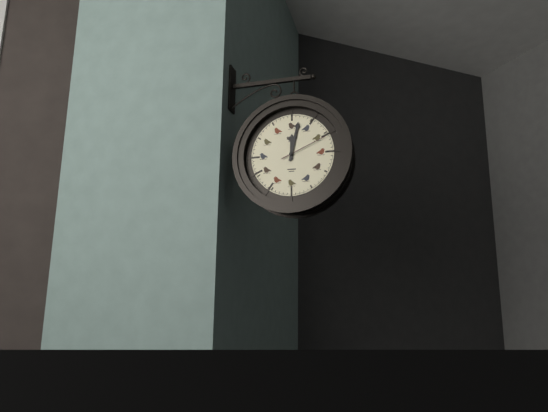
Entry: 12,02
